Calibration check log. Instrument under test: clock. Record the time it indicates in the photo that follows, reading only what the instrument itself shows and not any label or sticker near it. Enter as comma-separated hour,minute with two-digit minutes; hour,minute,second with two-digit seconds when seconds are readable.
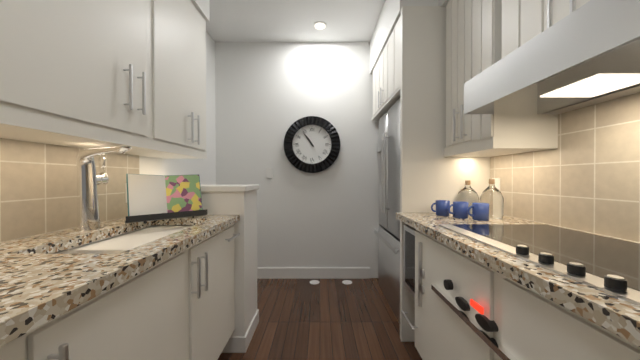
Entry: 10,54
